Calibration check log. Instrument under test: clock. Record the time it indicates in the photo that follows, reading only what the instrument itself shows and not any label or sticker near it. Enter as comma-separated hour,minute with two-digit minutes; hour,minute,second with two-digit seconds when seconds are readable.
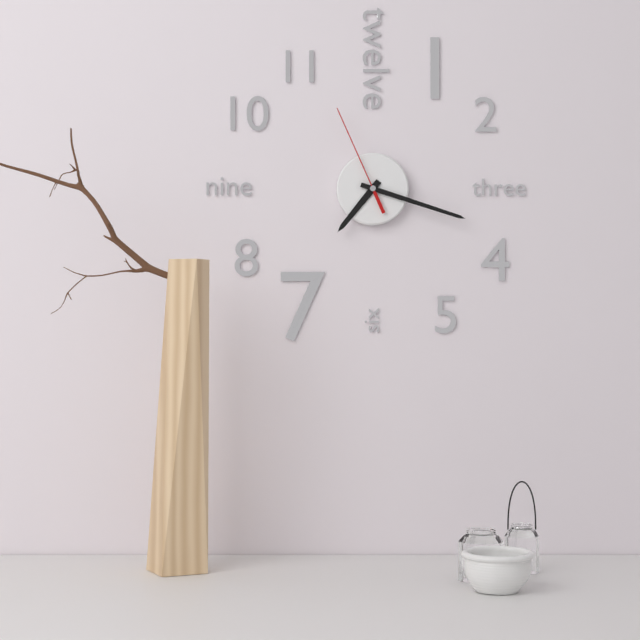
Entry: 7,18,56
